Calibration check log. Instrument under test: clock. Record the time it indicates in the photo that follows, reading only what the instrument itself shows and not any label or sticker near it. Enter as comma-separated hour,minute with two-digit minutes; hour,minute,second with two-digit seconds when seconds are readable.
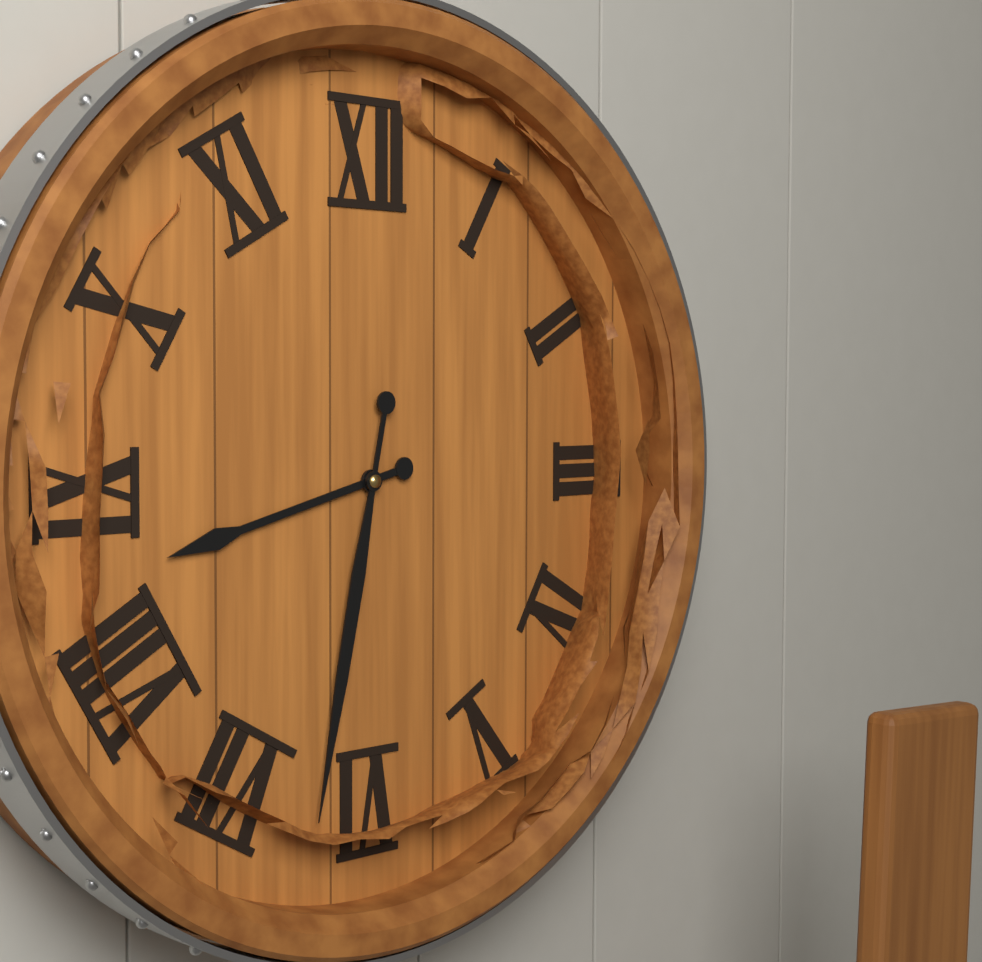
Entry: 8,32
